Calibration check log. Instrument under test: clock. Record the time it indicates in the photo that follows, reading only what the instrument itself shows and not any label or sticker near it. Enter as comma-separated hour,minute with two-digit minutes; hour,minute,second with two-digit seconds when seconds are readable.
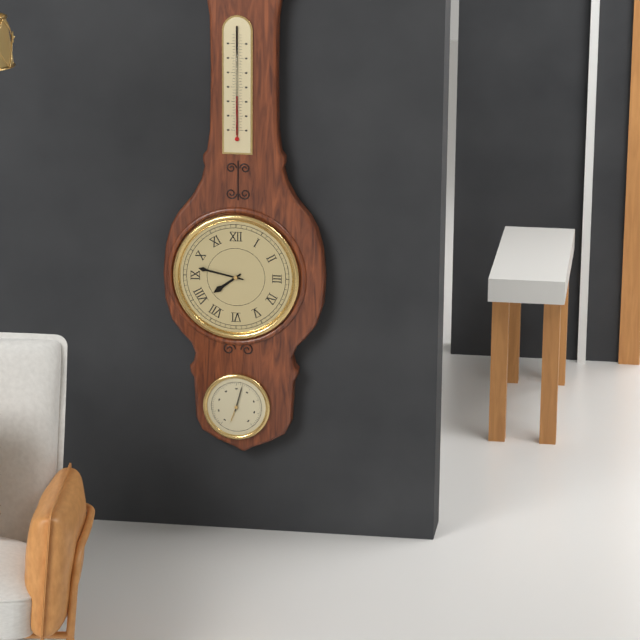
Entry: 7,47
